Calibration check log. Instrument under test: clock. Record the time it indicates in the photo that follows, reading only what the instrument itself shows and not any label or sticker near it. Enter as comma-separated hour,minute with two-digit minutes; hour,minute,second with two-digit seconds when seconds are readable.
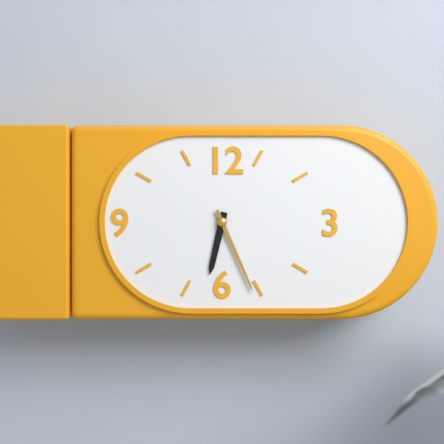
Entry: 6,26
